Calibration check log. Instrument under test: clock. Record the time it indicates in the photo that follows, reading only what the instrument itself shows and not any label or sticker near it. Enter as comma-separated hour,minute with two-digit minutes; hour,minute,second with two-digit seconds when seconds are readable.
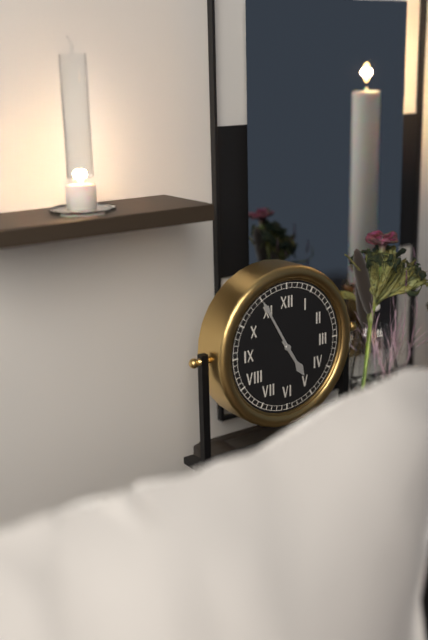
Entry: 4,55
